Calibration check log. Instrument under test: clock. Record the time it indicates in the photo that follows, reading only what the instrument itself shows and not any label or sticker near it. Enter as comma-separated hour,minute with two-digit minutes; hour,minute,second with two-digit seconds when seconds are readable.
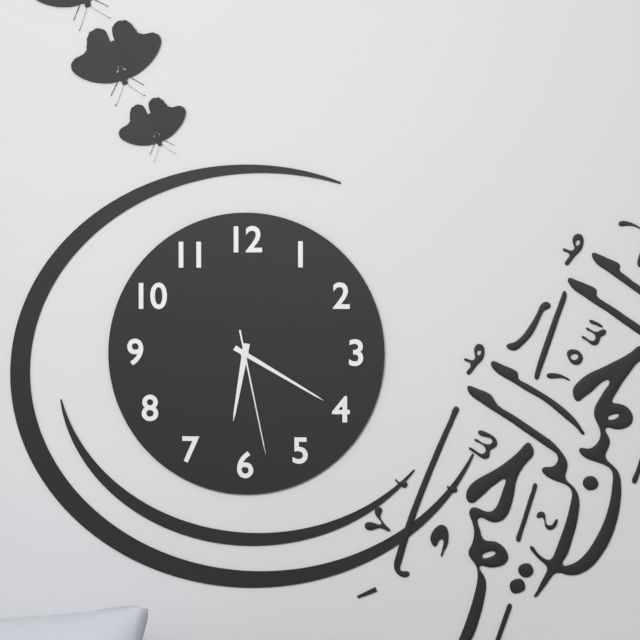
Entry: 6,20,28
